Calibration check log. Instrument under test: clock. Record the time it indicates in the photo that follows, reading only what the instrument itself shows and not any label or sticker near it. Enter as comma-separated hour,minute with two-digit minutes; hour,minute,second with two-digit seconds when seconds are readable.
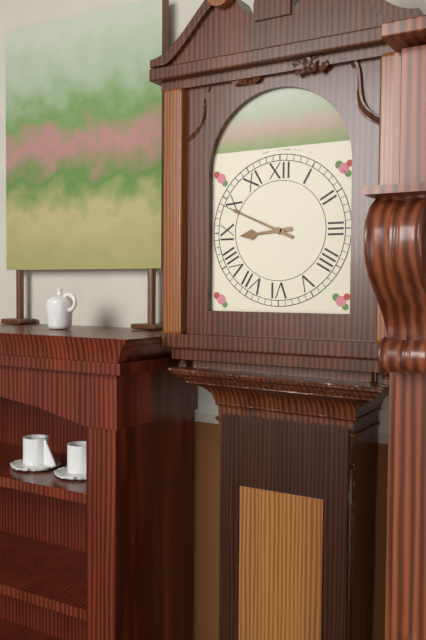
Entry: 8,49
